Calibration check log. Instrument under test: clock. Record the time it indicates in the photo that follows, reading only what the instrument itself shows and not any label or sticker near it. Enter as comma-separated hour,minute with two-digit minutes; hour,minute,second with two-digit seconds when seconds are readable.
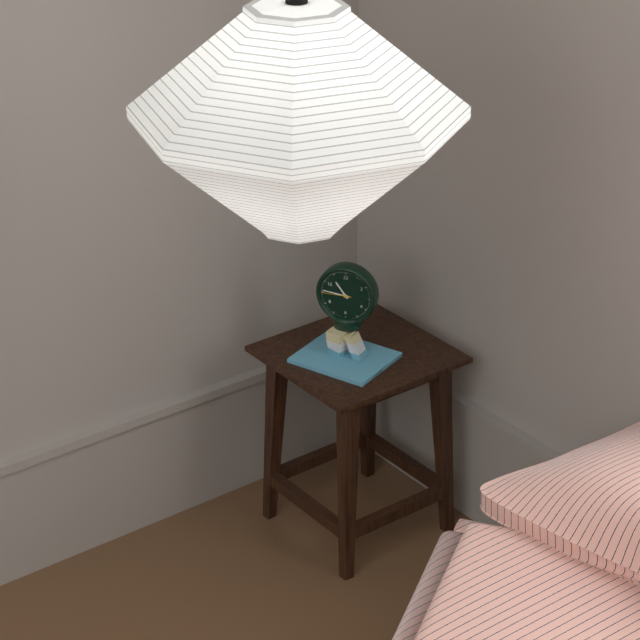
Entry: 10,46
